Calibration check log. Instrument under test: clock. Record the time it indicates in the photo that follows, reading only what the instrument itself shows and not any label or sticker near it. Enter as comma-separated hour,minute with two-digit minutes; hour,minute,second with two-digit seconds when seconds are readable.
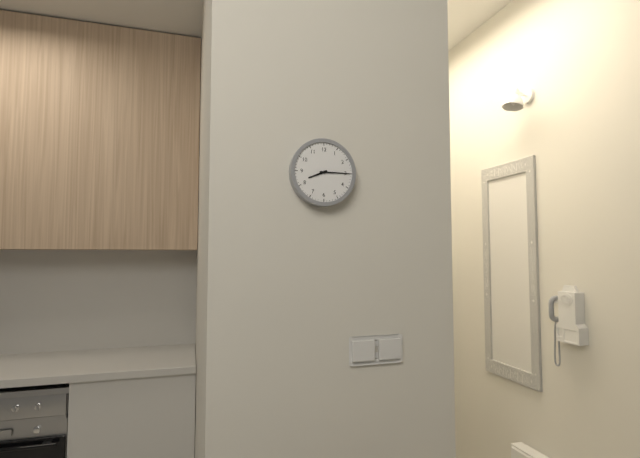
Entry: 8,15
